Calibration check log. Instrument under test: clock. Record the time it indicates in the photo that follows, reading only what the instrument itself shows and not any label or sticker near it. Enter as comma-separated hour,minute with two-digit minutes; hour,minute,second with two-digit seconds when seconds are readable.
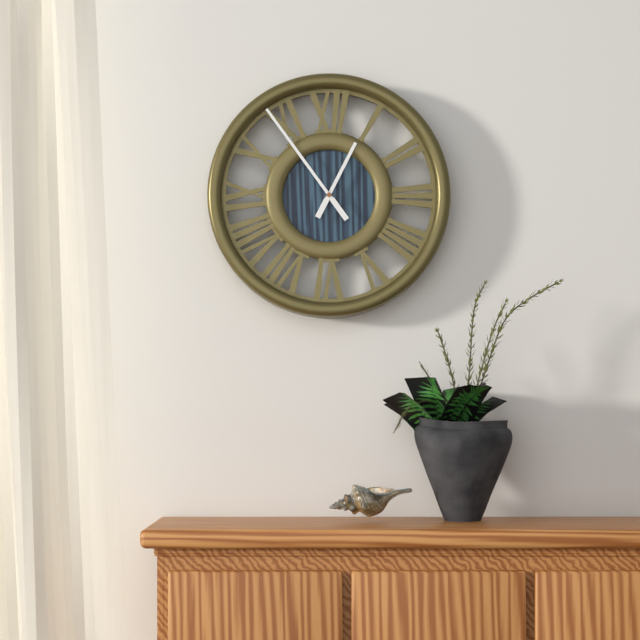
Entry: 12,54
